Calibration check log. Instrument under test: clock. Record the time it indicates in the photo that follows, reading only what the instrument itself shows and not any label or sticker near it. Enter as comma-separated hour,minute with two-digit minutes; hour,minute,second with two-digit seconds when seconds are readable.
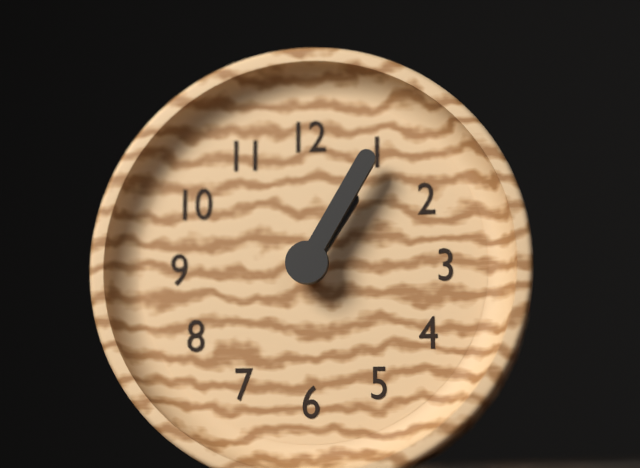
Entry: 1,05
